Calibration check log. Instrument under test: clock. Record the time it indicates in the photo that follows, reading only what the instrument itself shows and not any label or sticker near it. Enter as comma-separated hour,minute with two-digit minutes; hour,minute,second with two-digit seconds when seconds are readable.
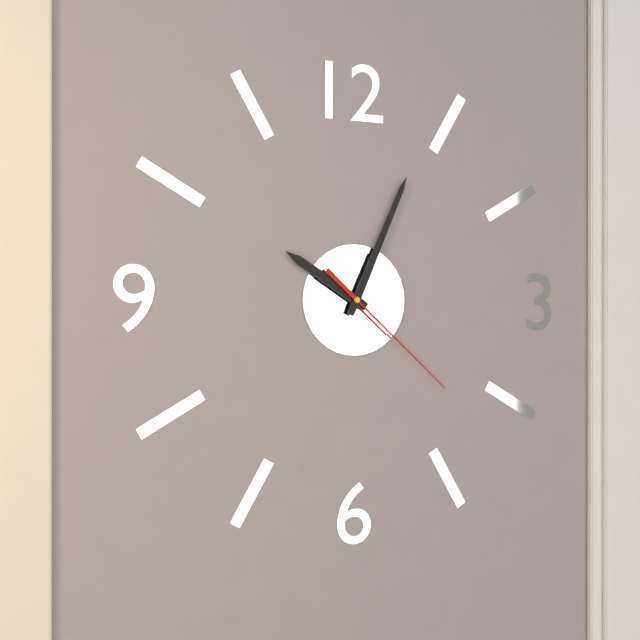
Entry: 10,04,22
